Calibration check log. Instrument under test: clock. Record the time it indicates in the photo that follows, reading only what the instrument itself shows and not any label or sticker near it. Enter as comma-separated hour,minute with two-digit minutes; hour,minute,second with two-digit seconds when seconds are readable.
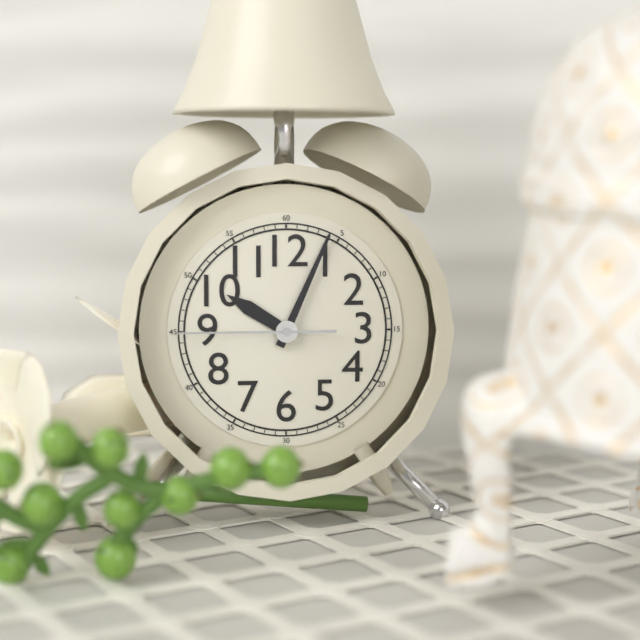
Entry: 10,04,45
